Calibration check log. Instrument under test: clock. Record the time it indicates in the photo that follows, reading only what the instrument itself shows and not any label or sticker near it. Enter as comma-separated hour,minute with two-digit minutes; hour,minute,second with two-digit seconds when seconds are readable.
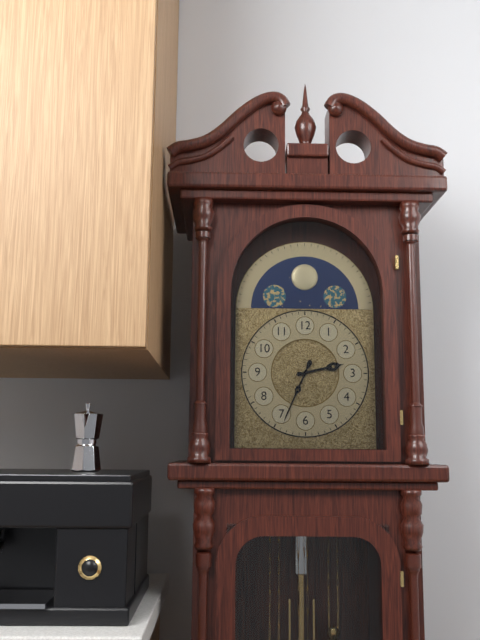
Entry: 2,34
